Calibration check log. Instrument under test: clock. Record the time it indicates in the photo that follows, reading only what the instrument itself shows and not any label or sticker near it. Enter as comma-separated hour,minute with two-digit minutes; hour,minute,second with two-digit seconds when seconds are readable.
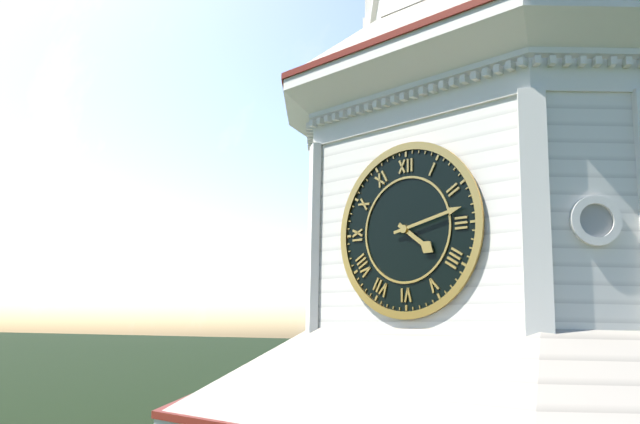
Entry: 4,13
